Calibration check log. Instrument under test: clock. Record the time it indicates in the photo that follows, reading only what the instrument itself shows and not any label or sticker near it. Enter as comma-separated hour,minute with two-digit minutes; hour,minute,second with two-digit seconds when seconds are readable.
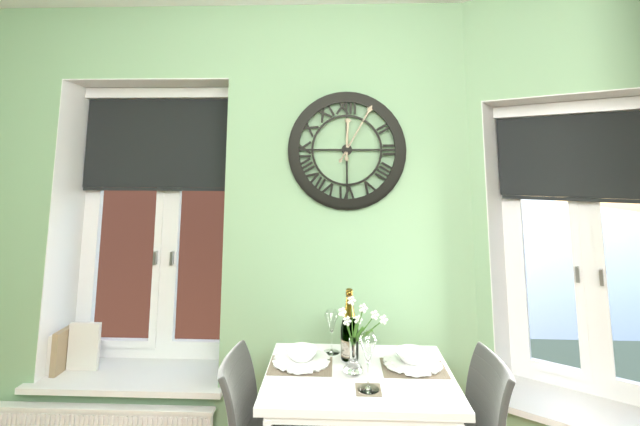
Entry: 12,05
